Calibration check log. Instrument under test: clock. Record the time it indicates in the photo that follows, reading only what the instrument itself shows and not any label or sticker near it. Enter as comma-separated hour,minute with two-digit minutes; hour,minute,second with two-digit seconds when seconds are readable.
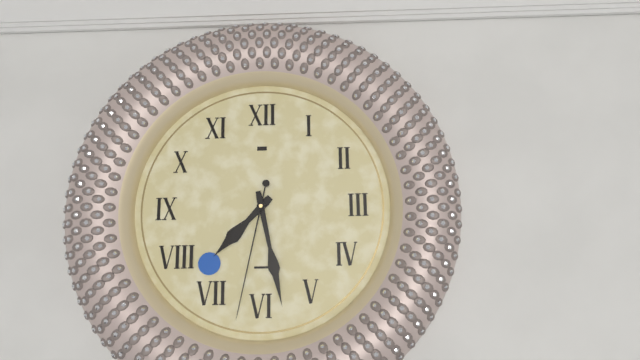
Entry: 7,28,32
